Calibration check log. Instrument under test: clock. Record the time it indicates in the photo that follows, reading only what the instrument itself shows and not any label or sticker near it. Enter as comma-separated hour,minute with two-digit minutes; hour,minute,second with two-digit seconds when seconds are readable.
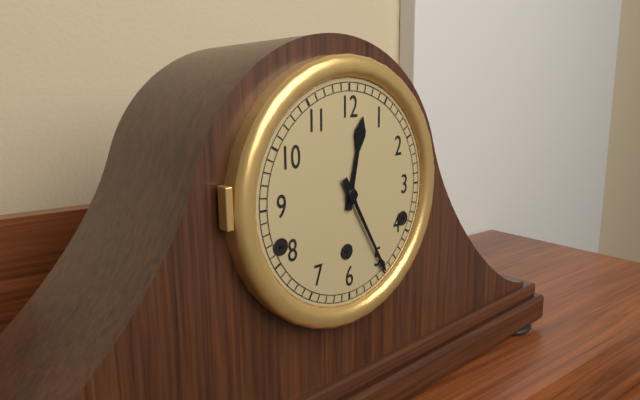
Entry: 12,25
